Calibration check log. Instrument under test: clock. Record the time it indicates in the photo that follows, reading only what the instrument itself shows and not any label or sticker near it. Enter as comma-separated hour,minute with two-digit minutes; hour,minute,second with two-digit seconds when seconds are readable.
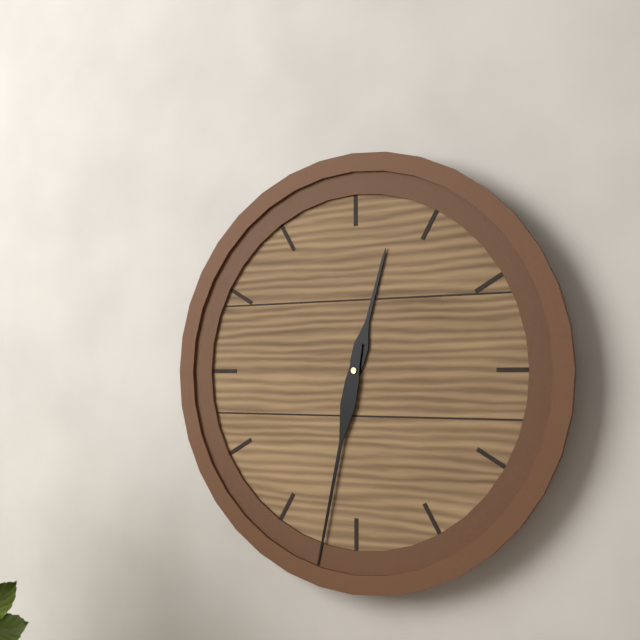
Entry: 12,32
